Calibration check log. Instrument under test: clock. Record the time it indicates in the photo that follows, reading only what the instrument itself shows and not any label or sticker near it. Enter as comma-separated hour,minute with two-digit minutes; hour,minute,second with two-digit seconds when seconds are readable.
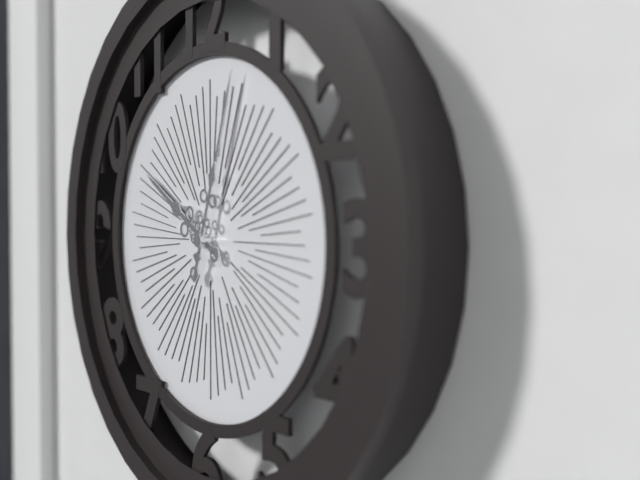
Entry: 10,03
